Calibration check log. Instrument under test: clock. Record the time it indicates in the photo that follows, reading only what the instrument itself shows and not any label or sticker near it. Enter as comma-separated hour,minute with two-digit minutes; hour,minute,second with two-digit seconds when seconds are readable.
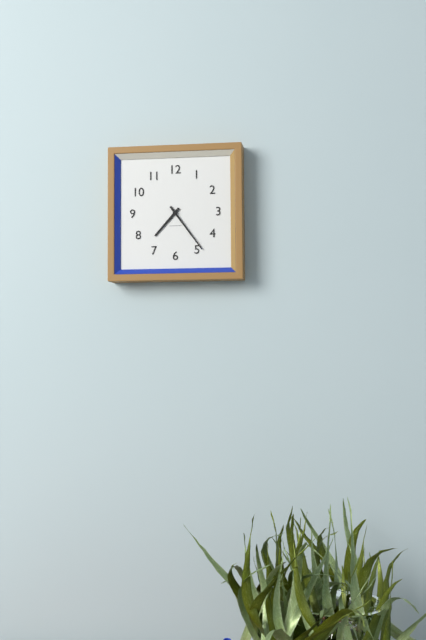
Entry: 7,24
